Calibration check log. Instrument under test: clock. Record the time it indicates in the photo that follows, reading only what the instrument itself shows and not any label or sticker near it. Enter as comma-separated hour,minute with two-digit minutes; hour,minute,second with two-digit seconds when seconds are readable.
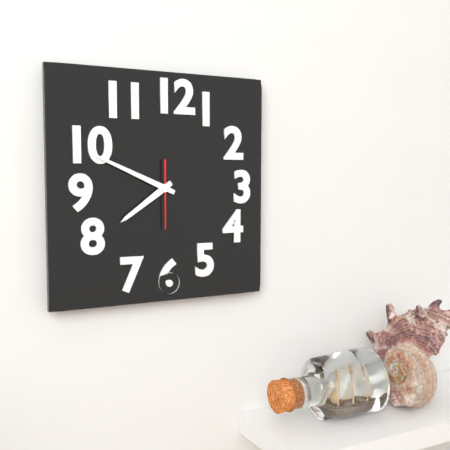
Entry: 7,49,30
